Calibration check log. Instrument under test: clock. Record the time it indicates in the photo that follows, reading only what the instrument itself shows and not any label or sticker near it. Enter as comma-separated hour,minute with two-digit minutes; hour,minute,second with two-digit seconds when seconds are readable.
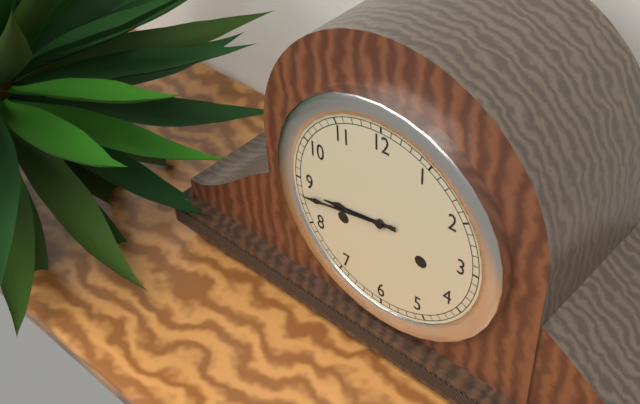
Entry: 8,43
